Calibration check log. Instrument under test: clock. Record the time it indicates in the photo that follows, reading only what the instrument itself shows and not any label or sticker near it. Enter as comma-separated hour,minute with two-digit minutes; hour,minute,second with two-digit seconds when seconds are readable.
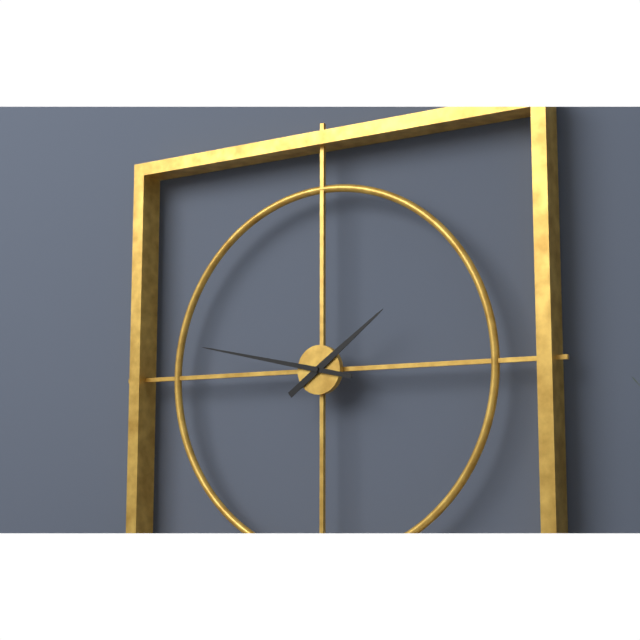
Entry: 1,47
